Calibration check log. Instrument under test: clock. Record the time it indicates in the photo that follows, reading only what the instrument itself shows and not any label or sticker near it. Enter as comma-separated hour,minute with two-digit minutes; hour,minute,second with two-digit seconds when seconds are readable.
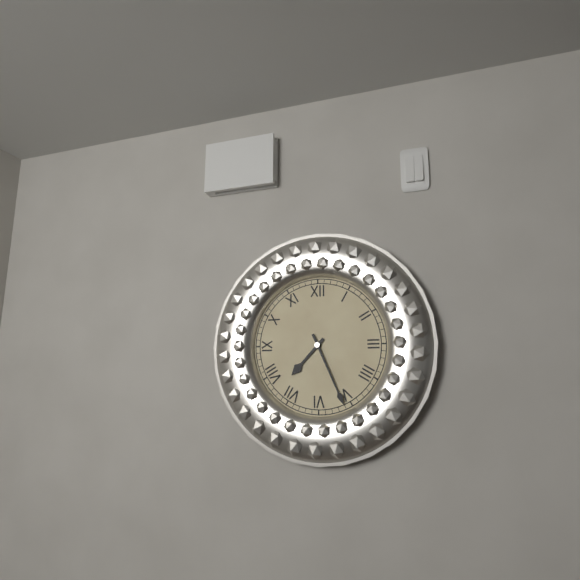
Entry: 7,26
